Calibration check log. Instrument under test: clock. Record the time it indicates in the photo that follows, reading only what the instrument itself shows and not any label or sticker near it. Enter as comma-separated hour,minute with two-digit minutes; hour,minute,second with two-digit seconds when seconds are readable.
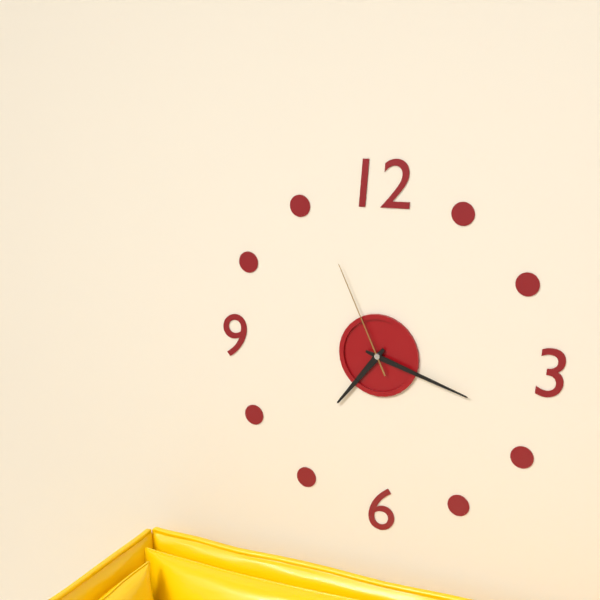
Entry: 7,18,56
